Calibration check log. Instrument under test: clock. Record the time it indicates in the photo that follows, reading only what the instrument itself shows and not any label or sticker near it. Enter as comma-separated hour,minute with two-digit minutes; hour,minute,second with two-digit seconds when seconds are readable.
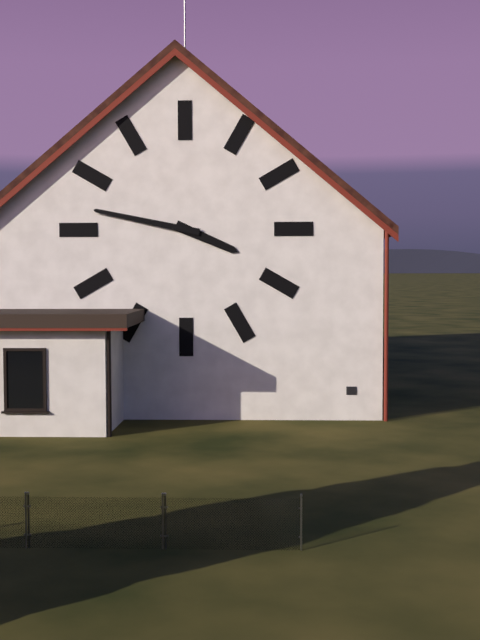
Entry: 3,47
